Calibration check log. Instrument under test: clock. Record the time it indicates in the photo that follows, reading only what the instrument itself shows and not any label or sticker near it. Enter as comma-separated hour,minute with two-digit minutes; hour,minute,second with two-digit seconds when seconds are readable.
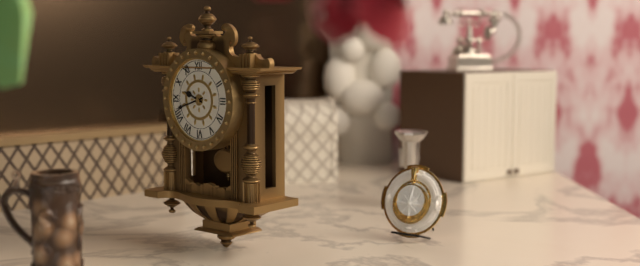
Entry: 9,42
